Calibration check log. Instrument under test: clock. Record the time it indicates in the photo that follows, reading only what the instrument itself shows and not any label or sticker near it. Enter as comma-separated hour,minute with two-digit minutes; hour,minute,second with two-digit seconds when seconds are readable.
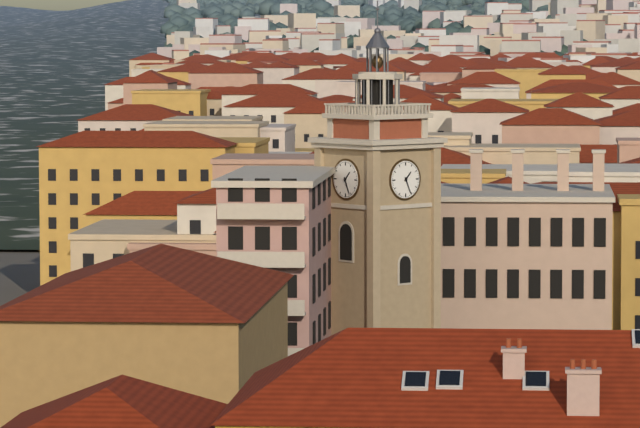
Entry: 1,26
